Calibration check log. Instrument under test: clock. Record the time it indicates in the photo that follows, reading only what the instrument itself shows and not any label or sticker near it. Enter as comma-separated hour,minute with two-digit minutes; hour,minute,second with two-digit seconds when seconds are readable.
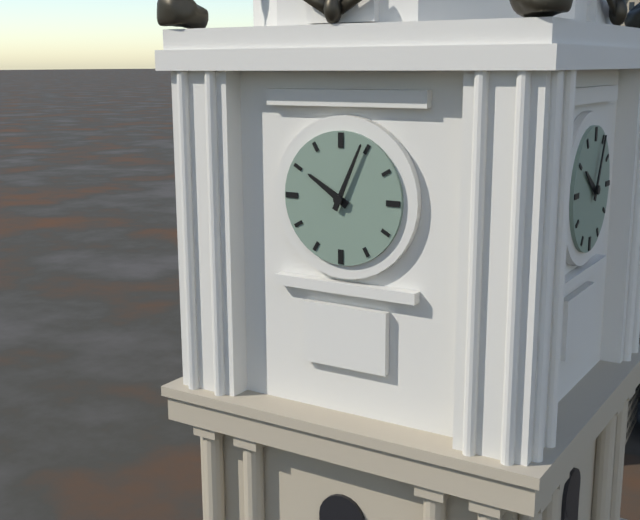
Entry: 10,04
